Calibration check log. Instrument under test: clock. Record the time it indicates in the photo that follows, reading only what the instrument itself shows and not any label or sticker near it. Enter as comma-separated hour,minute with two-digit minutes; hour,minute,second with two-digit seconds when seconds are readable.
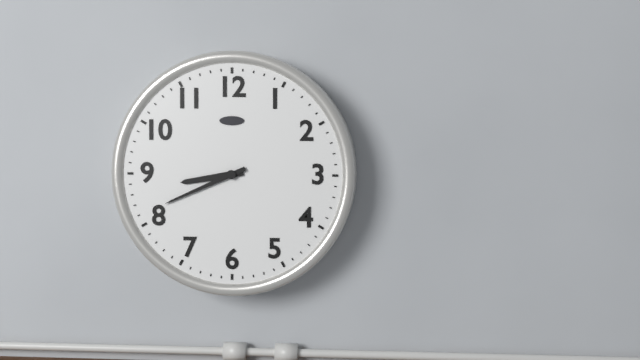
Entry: 8,41
